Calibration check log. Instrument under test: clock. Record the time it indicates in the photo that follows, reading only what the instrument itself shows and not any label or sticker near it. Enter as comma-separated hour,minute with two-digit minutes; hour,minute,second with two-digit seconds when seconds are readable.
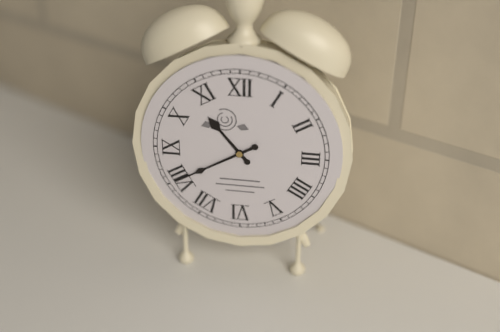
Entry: 10,40
